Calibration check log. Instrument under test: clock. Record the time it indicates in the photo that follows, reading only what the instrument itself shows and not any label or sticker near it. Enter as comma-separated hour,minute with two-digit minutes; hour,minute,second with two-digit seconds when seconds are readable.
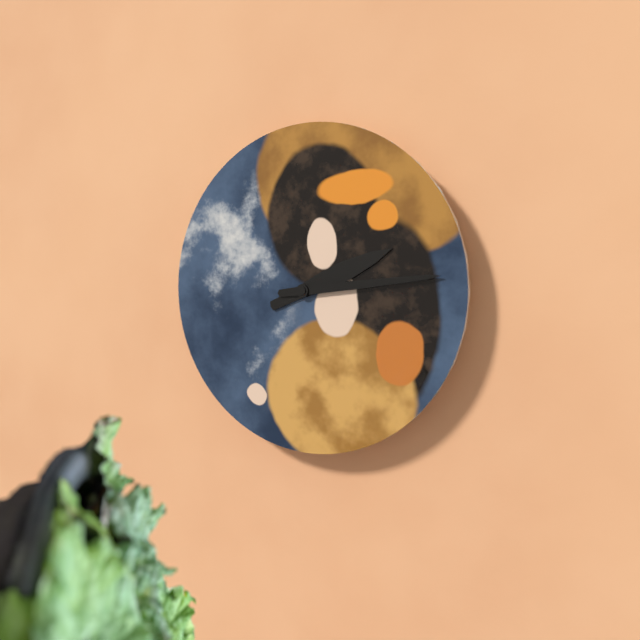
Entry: 2,14
